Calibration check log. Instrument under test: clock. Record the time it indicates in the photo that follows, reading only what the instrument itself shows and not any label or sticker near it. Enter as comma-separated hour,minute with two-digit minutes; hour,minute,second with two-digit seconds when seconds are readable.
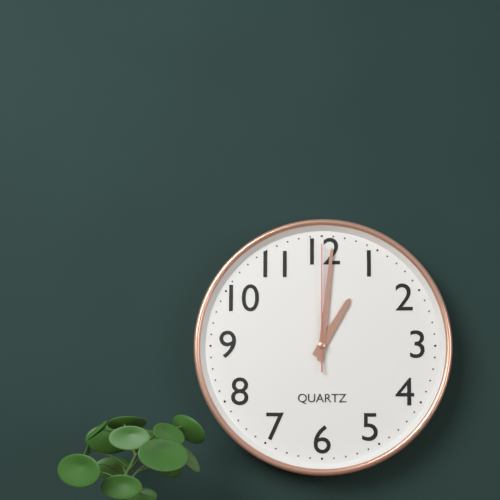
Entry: 1,01,00
